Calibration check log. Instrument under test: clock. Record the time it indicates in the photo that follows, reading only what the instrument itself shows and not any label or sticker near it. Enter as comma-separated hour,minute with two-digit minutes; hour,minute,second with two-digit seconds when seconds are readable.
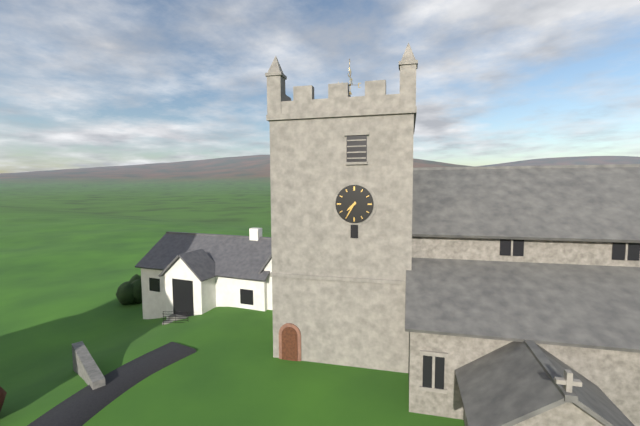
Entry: 7,35
